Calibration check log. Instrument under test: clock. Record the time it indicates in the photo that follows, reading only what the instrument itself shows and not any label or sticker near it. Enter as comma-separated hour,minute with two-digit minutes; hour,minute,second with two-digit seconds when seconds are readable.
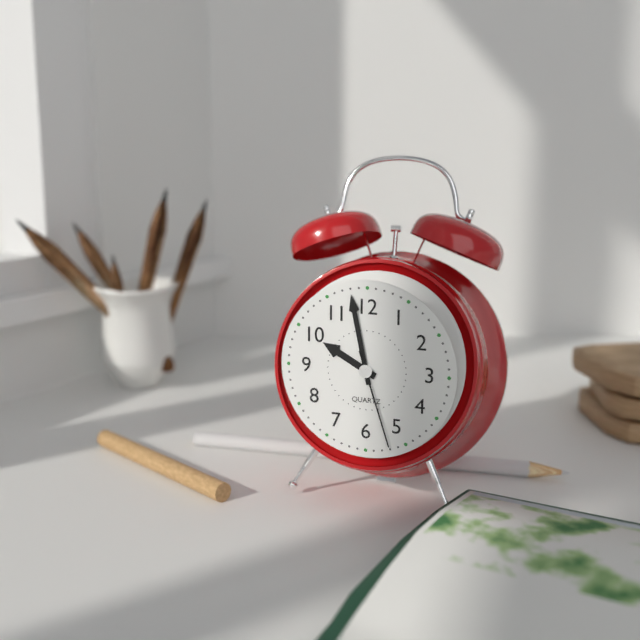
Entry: 9,58,27
